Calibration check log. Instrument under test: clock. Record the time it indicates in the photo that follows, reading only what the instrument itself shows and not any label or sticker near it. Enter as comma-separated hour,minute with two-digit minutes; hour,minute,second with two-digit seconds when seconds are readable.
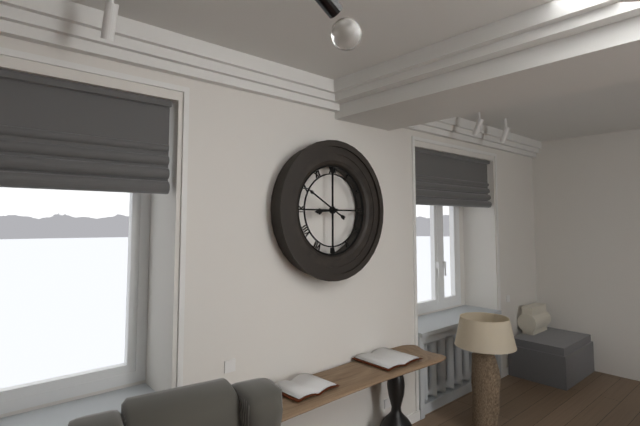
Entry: 8,50
